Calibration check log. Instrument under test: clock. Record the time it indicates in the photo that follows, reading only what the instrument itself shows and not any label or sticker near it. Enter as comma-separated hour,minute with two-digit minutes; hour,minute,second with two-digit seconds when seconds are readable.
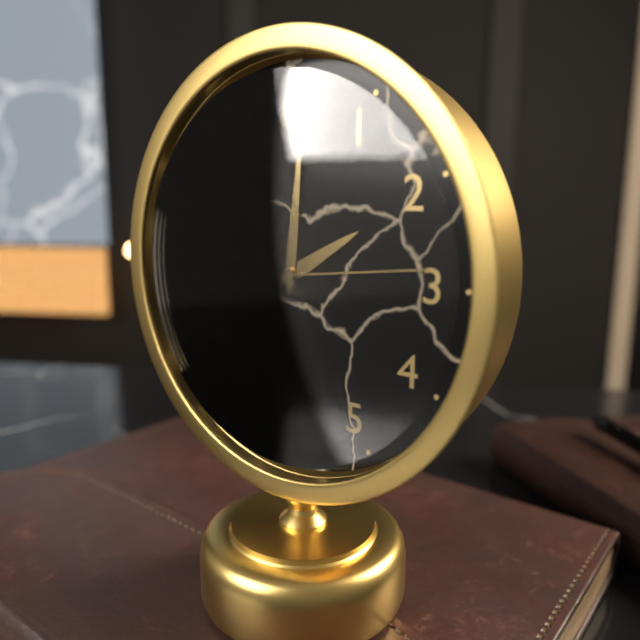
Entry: 2,01,14
